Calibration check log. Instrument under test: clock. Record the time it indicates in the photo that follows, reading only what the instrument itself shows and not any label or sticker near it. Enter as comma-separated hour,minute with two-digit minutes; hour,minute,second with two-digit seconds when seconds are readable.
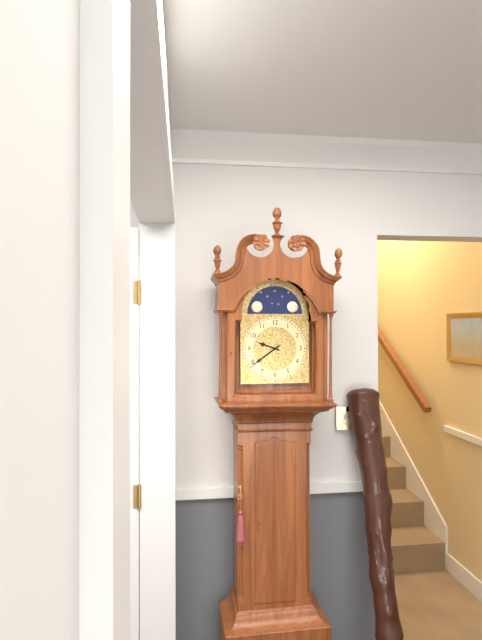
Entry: 9,39
